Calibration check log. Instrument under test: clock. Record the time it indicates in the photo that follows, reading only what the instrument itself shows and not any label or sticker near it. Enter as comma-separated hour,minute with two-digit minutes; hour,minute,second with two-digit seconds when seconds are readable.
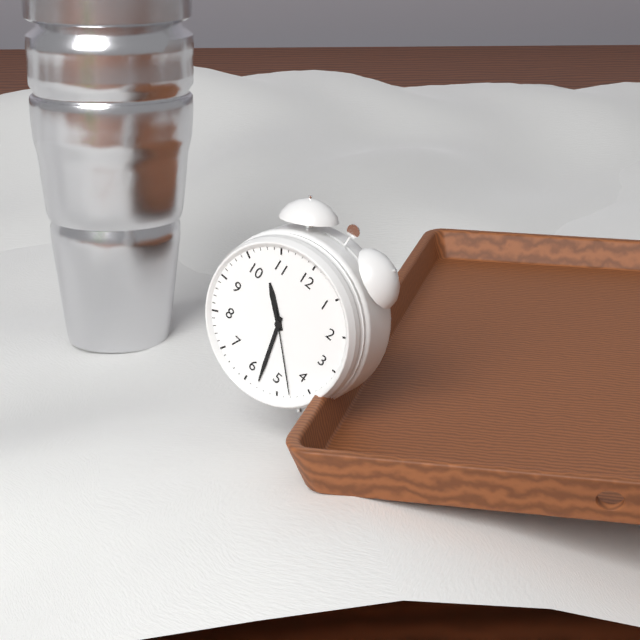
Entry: 10,28,23
